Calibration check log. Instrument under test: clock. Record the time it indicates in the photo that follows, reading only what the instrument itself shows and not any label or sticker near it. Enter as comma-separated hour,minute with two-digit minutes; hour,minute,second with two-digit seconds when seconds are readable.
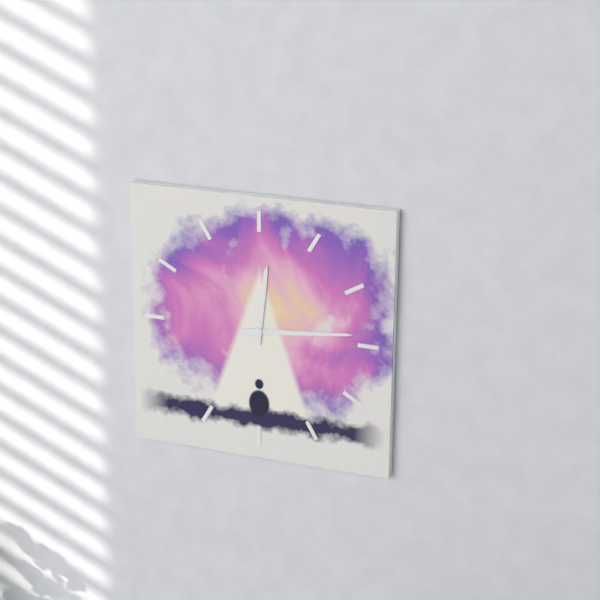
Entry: 12,14
